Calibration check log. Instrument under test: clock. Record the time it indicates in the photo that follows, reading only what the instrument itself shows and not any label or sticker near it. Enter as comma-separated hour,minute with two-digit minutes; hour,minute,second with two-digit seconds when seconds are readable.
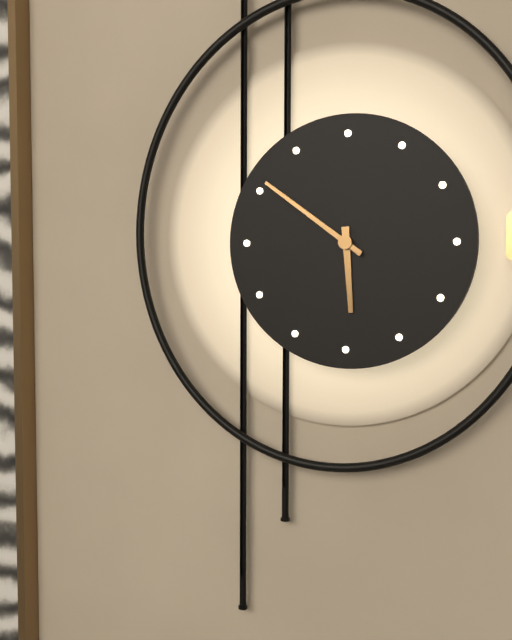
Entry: 5,51
